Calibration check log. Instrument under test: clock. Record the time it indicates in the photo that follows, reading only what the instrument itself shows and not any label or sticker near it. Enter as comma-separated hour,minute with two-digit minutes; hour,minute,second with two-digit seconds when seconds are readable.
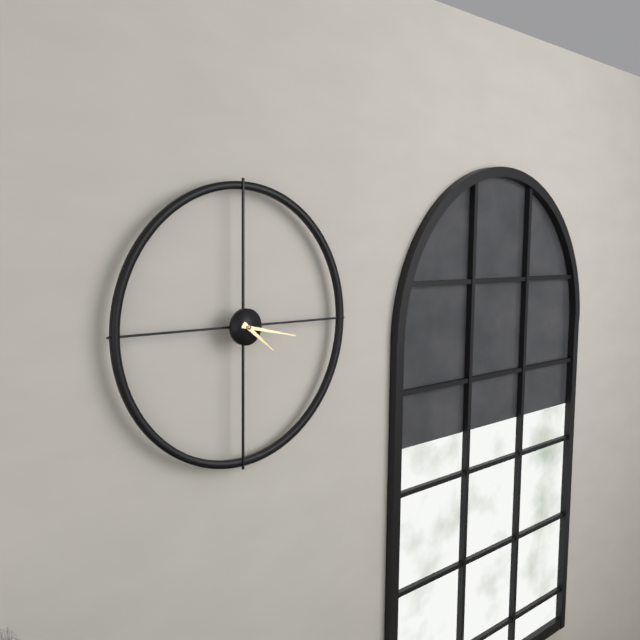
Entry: 4,17
